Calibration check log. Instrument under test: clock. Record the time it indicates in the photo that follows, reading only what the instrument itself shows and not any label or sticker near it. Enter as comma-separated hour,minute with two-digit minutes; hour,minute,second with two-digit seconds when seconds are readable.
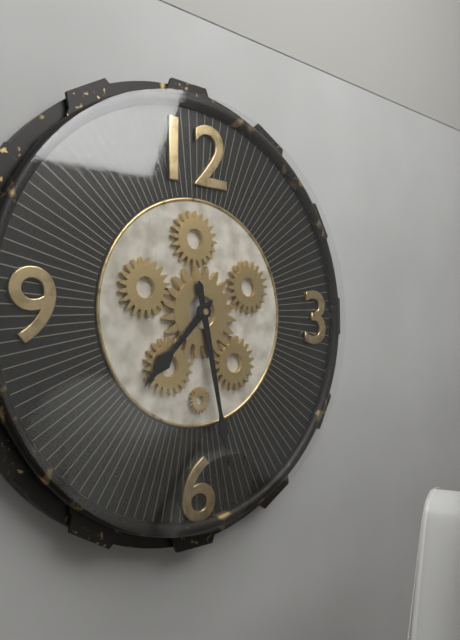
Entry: 7,28
